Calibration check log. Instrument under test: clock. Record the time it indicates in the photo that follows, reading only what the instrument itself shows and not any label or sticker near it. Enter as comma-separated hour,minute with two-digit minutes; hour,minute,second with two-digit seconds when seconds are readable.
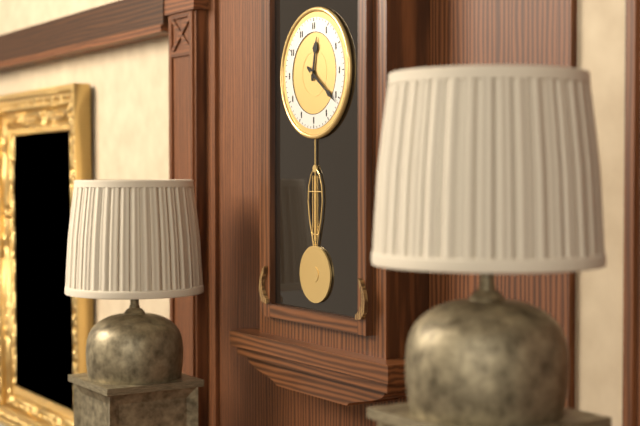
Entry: 12,21
